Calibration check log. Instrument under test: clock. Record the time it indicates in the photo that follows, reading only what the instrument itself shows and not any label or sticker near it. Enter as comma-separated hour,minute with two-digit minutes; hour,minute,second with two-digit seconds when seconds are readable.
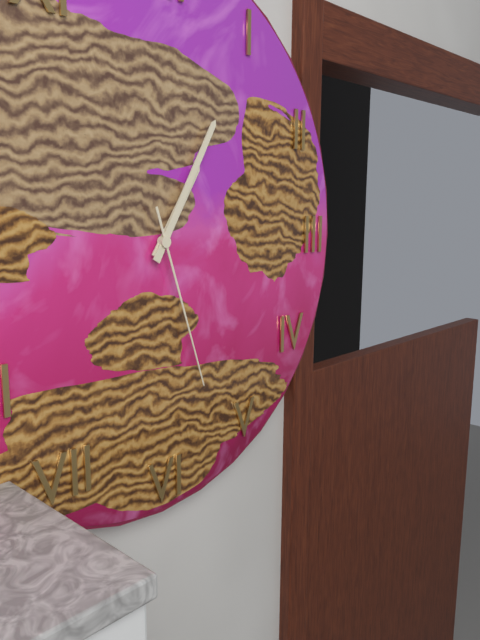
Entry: 1,05,27
